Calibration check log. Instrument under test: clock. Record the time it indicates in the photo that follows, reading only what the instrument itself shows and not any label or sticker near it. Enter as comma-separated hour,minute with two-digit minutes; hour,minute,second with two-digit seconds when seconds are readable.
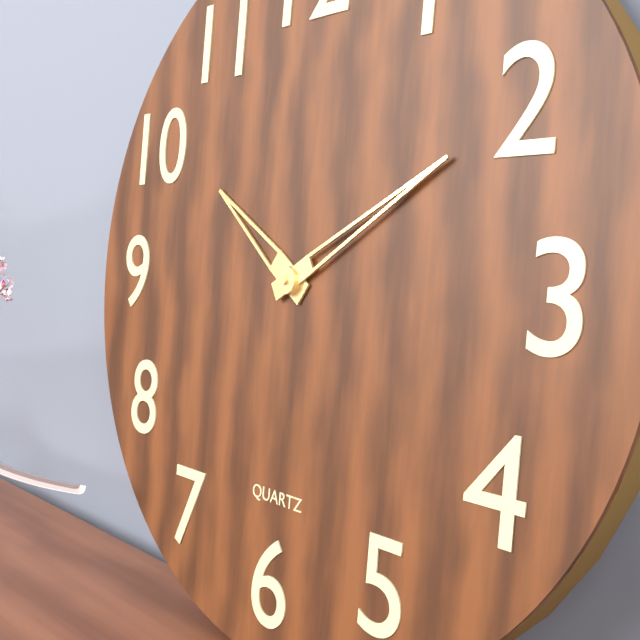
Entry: 10,10
